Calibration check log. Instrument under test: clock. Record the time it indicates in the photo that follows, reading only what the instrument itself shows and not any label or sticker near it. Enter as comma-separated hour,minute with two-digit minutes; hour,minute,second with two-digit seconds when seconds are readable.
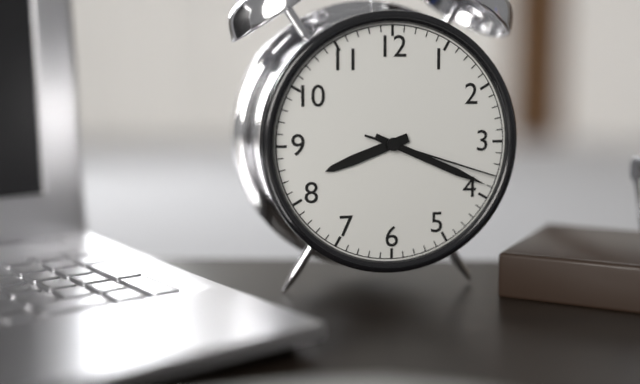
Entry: 8,19,18
